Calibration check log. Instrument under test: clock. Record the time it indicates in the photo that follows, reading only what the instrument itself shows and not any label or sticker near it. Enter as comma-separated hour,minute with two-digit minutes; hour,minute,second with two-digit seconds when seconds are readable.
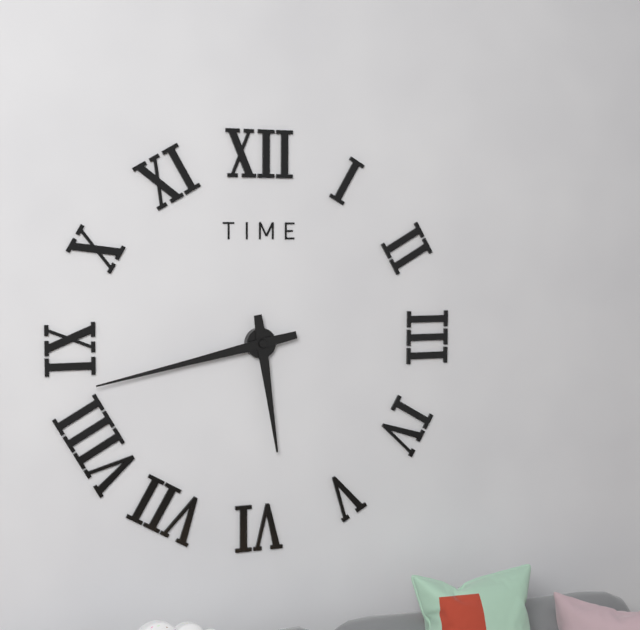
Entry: 5,43
